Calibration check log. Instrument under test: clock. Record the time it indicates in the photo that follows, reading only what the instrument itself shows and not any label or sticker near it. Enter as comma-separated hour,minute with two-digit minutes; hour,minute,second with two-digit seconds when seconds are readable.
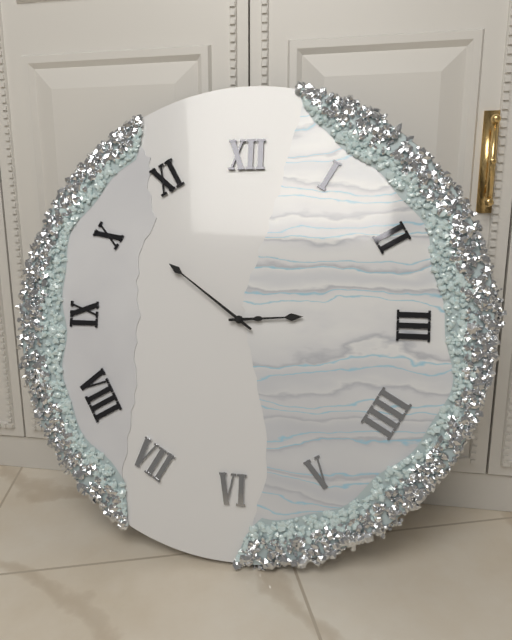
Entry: 2,51
